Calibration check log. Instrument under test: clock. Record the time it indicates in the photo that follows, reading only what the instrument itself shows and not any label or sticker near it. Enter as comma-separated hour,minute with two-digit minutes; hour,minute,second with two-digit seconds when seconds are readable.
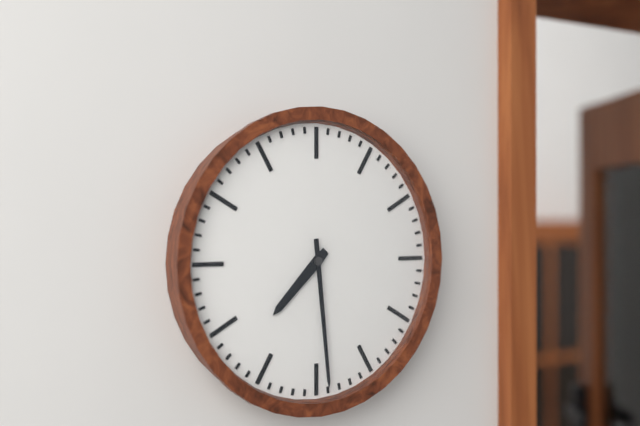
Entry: 7,29
